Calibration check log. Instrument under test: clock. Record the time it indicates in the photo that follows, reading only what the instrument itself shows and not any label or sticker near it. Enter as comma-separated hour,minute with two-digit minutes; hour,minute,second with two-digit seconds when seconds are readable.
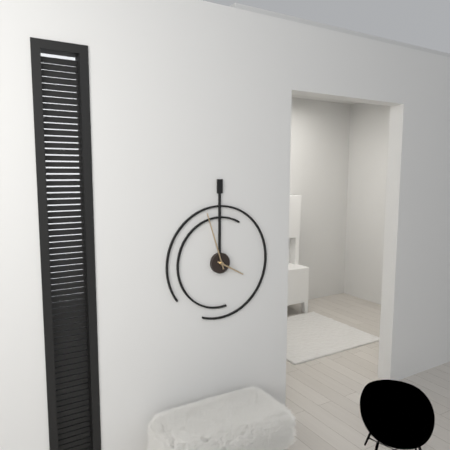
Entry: 3,57
